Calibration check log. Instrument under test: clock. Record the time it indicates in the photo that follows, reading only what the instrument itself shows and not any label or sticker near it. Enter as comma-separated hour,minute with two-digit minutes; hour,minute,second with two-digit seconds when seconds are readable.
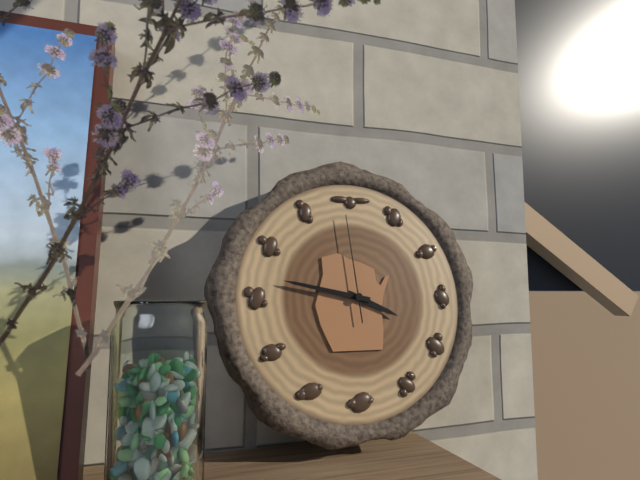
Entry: 3,47,59
